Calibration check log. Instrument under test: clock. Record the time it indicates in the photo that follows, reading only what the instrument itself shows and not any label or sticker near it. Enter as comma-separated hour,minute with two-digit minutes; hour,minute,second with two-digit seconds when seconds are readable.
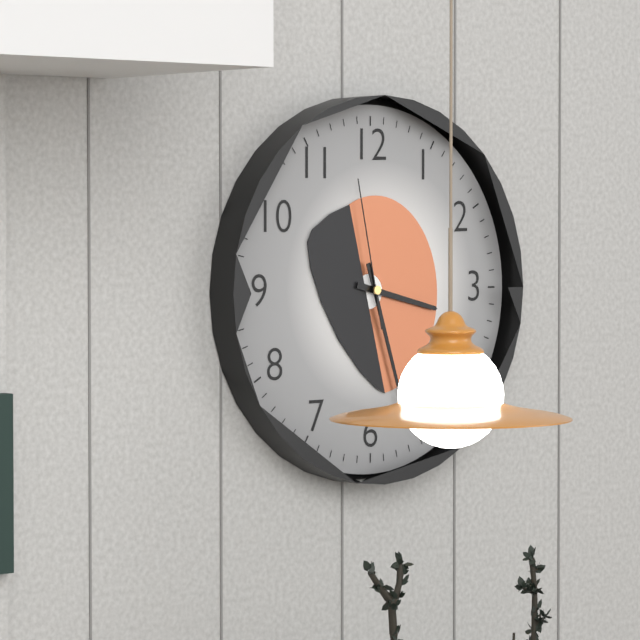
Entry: 3,27,58
